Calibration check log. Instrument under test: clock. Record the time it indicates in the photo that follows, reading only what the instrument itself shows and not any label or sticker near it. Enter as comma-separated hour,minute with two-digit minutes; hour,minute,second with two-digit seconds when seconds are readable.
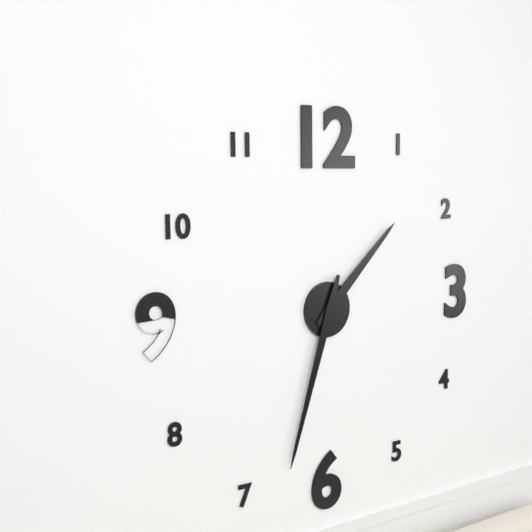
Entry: 1,33
